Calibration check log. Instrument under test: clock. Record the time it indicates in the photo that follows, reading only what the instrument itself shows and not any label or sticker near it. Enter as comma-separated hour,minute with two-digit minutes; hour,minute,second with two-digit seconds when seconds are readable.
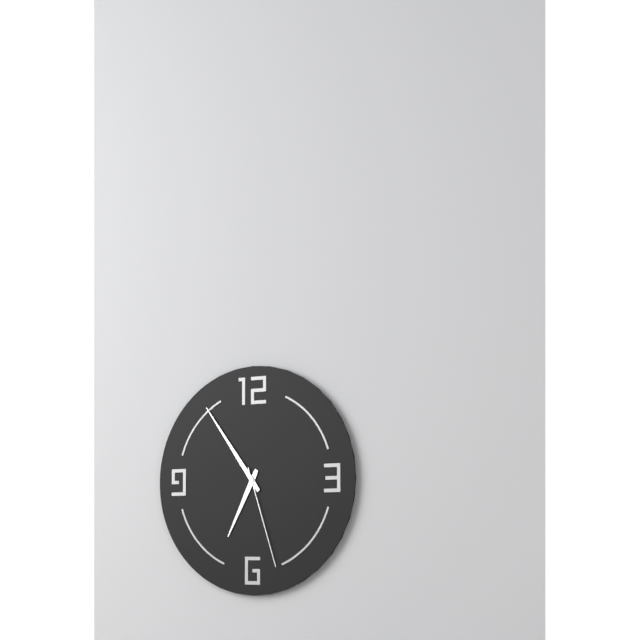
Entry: 6,54,27
